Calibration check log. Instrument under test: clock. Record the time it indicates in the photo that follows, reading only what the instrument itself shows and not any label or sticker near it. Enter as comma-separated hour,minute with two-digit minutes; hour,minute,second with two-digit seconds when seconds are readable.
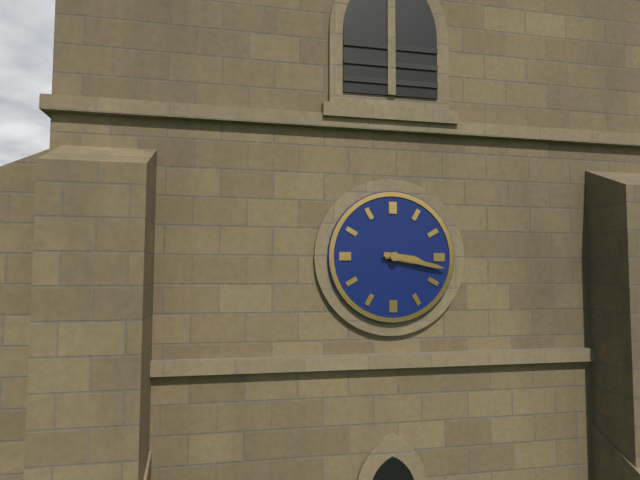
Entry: 3,17
